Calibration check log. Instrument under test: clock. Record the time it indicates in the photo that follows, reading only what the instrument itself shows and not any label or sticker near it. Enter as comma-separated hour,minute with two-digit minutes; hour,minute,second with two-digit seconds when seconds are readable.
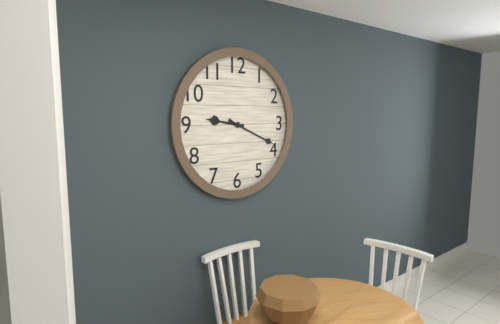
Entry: 9,19
